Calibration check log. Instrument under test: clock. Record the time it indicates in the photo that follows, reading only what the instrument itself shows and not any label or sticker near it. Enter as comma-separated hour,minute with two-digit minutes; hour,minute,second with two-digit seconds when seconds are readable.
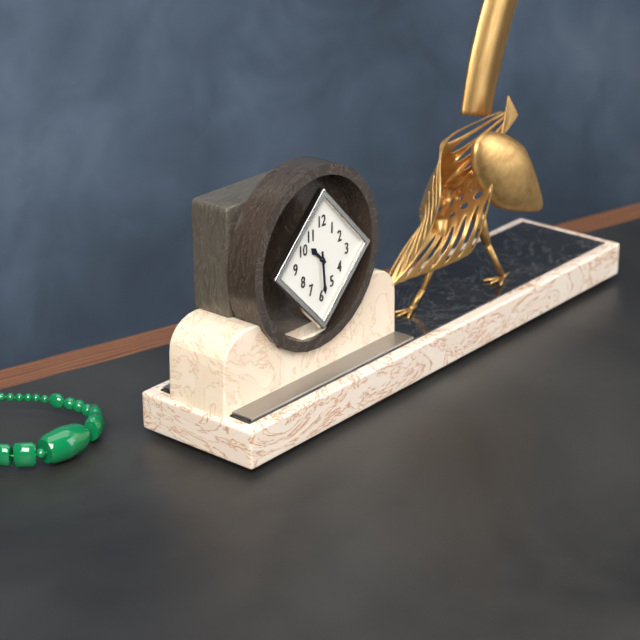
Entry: 10,29
